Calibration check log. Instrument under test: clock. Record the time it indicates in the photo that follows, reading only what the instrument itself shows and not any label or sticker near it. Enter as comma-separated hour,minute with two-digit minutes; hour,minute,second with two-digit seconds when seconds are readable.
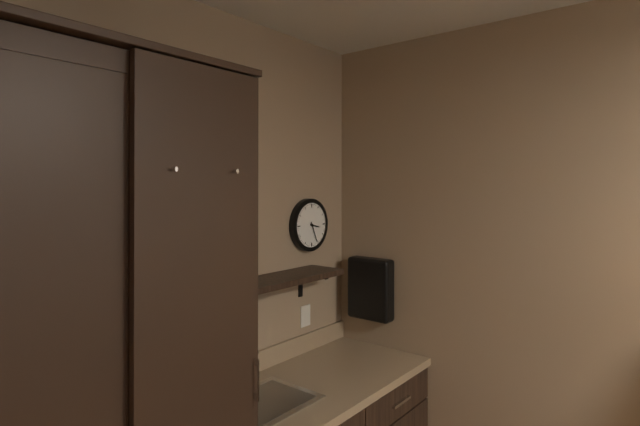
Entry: 3,26
